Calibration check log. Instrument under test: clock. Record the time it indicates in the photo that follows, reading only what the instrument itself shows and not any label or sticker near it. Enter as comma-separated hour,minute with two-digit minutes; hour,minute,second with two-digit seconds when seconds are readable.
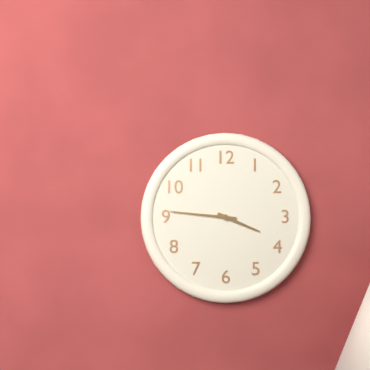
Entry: 3,46
